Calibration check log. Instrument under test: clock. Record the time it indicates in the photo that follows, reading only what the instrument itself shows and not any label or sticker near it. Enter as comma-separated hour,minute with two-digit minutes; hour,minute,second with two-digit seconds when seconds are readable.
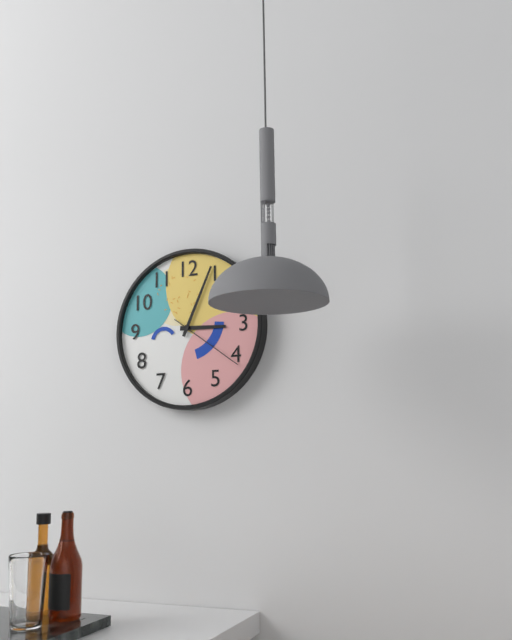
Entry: 3,04,21
